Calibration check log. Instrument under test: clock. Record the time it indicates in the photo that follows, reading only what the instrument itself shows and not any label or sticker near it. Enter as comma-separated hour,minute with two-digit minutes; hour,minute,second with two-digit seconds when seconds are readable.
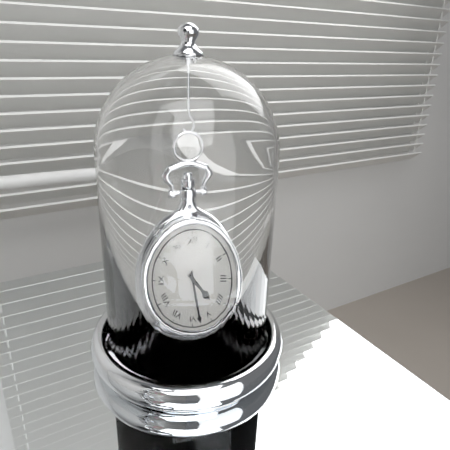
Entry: 4,28
